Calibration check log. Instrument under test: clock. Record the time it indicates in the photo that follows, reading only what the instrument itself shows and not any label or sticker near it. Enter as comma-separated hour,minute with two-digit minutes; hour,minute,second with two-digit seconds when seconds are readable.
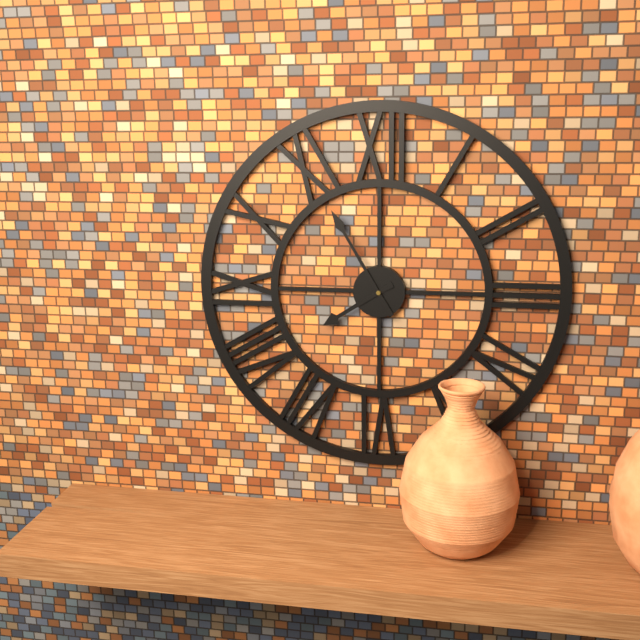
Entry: 7,55
